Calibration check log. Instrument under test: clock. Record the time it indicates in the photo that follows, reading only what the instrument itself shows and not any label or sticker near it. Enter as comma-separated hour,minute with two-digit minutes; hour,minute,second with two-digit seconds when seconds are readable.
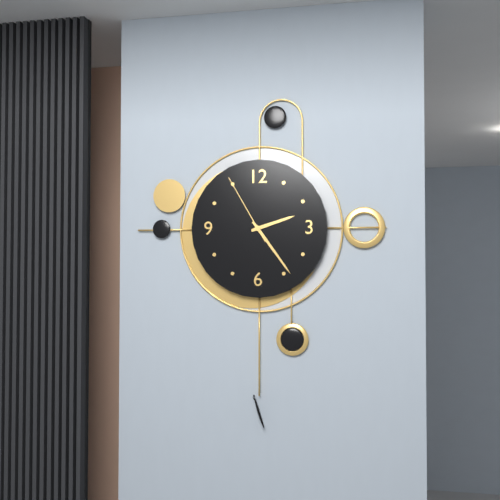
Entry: 2,24,55
